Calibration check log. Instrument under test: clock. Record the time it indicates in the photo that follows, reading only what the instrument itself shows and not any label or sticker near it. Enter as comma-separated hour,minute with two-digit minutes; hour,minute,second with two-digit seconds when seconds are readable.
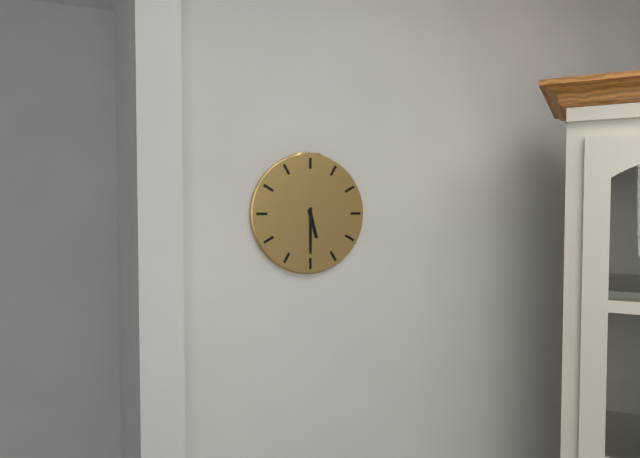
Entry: 5,30
